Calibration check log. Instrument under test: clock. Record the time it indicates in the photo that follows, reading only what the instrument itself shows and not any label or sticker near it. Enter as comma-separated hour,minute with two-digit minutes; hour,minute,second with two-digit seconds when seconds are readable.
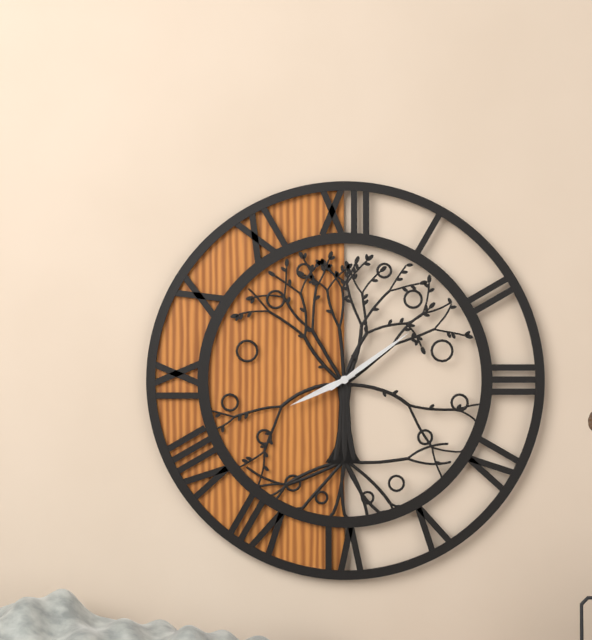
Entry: 8,09
